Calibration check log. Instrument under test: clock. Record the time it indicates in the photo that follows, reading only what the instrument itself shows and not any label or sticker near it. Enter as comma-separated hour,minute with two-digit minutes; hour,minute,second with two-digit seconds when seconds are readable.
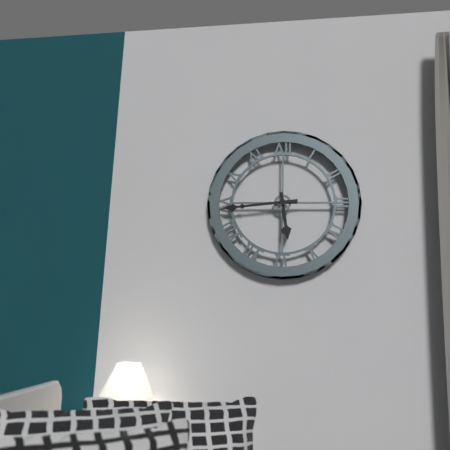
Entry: 5,44
